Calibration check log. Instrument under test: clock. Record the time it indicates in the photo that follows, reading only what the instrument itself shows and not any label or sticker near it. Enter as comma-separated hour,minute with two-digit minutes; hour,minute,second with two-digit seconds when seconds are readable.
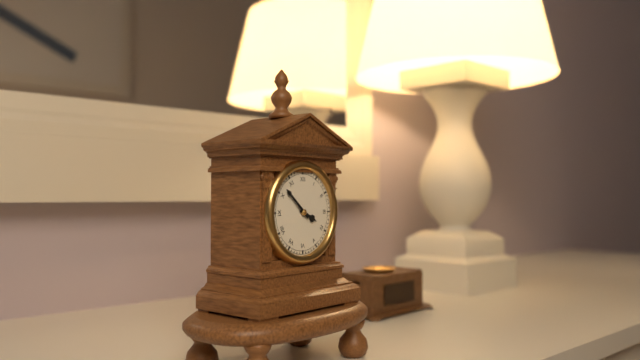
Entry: 3,52
